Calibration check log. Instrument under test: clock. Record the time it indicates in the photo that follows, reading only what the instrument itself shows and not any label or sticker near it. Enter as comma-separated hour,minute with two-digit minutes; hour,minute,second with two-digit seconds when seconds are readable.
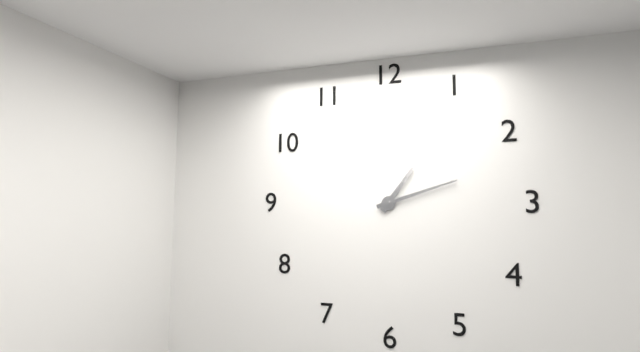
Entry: 1,12
